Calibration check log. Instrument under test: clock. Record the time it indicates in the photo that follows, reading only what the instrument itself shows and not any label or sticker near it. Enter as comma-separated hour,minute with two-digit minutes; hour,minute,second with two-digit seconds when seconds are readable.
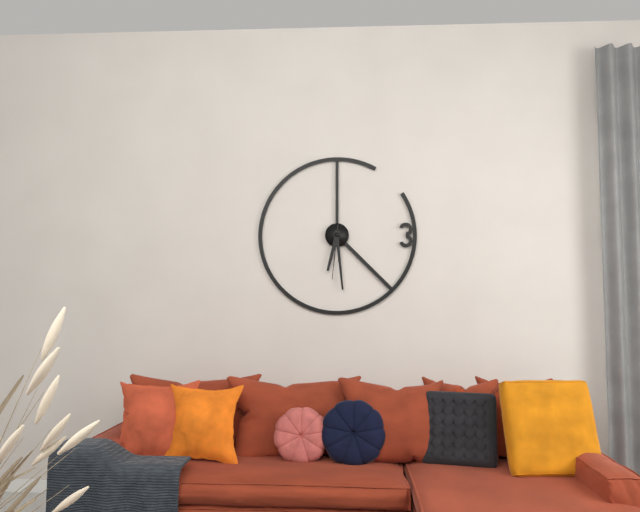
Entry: 6,29,31
